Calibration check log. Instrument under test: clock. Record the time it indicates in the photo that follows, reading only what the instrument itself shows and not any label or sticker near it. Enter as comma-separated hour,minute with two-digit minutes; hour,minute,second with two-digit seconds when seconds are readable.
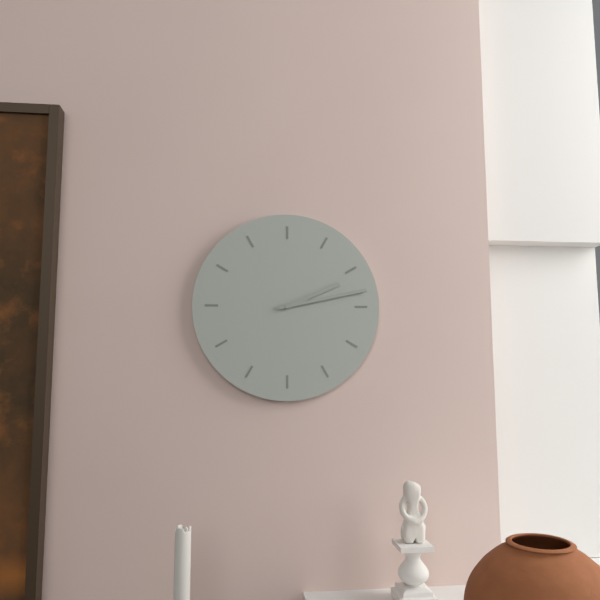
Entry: 2,13
